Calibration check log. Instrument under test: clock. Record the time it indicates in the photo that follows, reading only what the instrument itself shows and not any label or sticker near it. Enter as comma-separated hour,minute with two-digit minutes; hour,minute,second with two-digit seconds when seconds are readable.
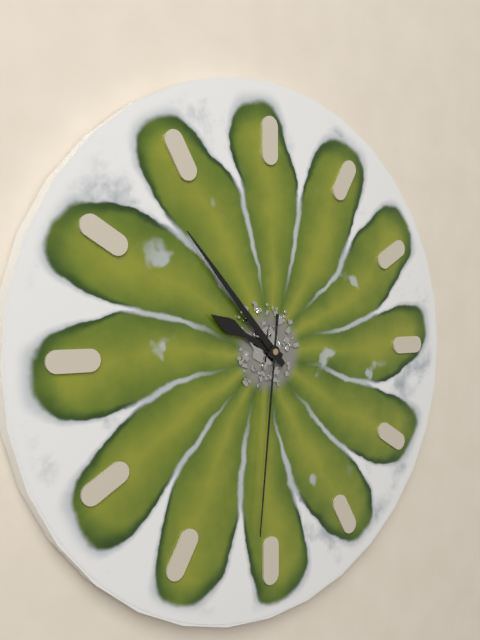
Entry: 9,53,31
